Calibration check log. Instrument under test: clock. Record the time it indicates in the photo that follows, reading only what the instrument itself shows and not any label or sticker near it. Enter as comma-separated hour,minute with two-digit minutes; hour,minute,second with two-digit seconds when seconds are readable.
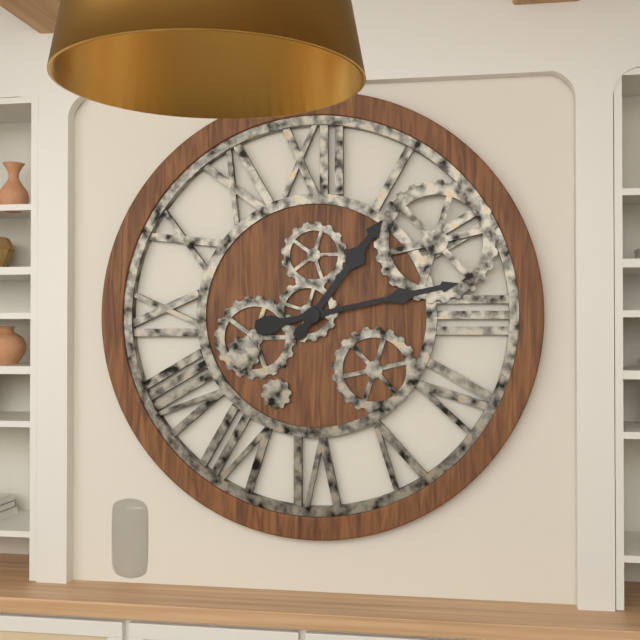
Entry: 1,13
